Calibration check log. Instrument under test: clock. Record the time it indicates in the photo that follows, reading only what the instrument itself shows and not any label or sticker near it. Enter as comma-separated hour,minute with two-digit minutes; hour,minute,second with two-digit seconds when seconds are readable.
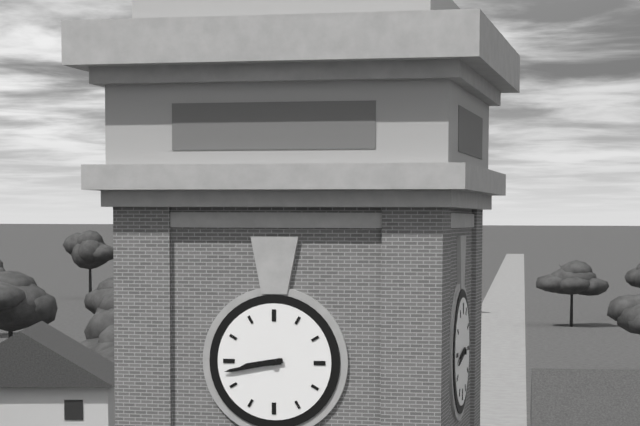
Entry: 8,43
